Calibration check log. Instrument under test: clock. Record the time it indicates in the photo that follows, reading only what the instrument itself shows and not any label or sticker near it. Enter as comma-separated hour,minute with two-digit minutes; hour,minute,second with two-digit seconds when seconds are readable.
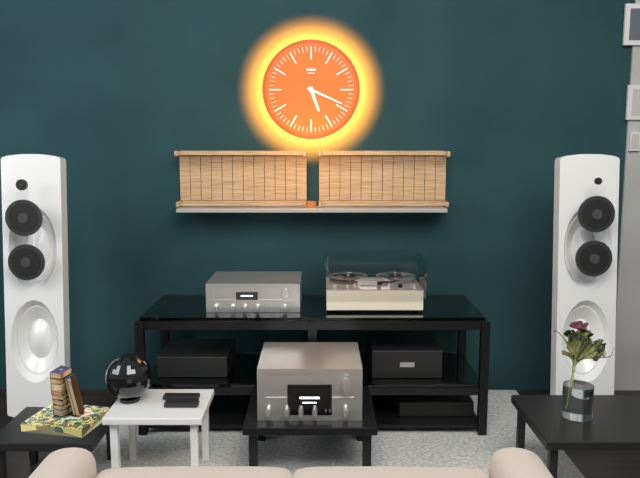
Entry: 5,19
